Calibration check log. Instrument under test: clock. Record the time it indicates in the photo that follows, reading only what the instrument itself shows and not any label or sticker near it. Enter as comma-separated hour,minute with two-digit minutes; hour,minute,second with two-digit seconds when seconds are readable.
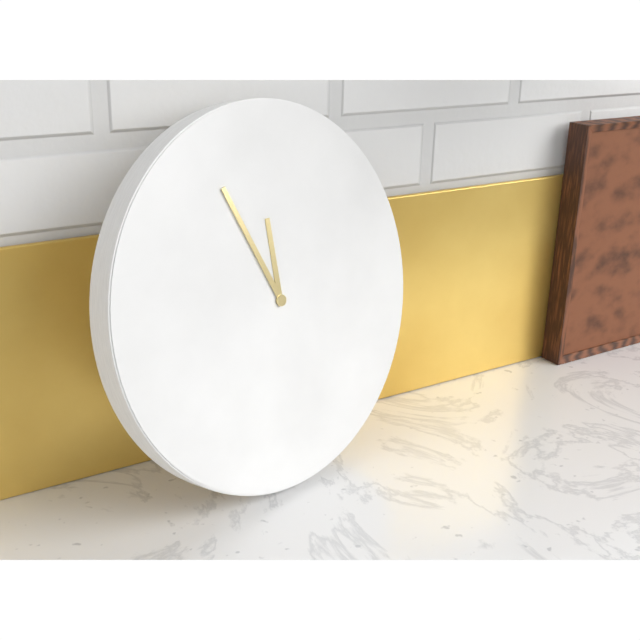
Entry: 11,56
